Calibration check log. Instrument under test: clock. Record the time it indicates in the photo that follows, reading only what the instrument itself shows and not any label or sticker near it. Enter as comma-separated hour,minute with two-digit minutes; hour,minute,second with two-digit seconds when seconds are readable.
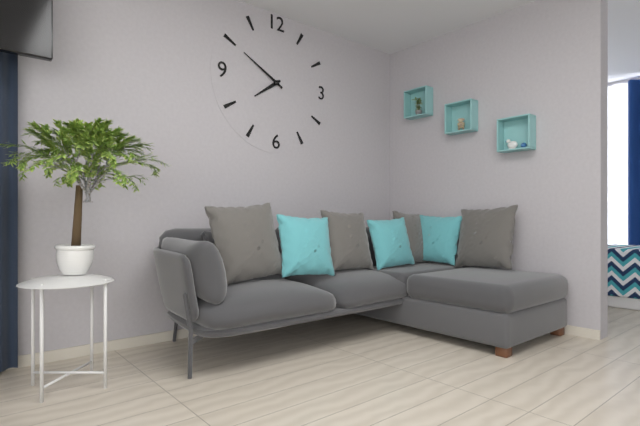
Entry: 7,50
